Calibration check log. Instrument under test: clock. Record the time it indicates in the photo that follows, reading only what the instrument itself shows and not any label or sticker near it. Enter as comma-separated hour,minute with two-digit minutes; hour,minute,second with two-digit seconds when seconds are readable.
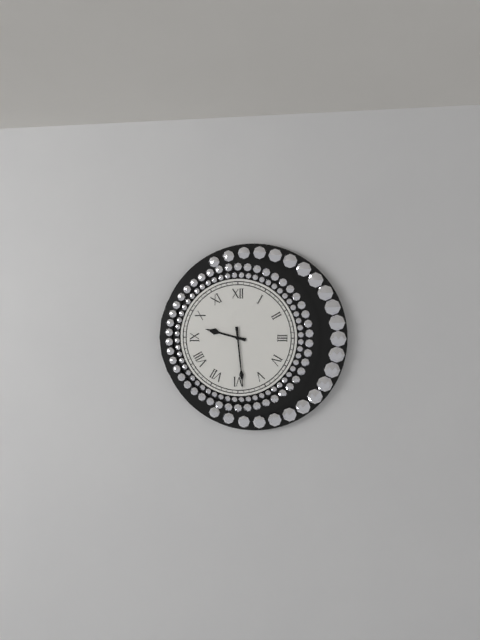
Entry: 9,29
